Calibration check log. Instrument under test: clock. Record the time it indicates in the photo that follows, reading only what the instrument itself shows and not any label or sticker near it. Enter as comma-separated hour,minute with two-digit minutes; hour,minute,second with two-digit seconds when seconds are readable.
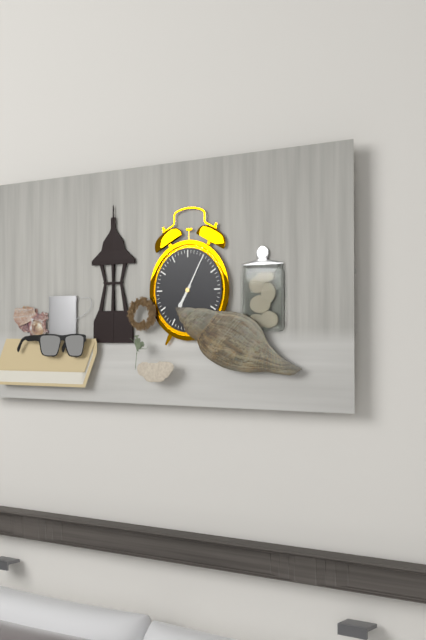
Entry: 7,05
